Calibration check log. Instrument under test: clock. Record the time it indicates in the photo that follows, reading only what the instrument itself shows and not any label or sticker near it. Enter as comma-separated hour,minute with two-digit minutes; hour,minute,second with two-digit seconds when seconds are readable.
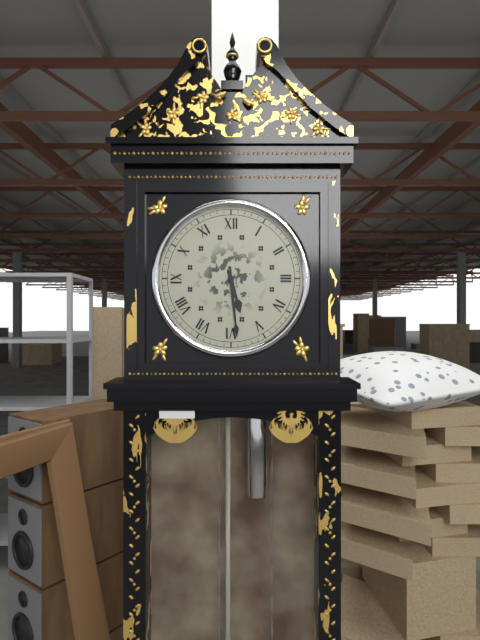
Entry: 5,29
